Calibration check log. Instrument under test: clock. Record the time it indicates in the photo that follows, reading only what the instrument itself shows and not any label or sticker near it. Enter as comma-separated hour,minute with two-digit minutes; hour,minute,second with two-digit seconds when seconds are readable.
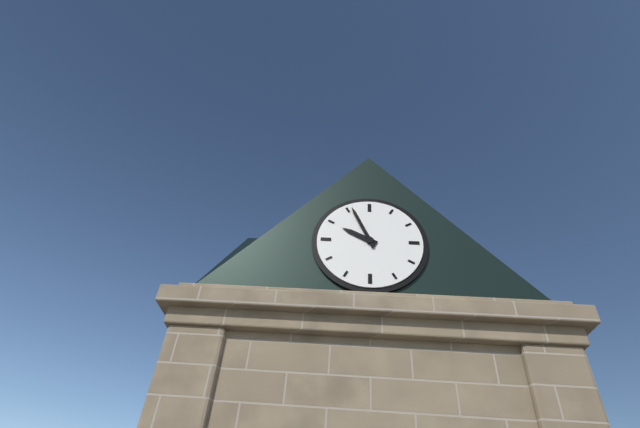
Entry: 9,56
